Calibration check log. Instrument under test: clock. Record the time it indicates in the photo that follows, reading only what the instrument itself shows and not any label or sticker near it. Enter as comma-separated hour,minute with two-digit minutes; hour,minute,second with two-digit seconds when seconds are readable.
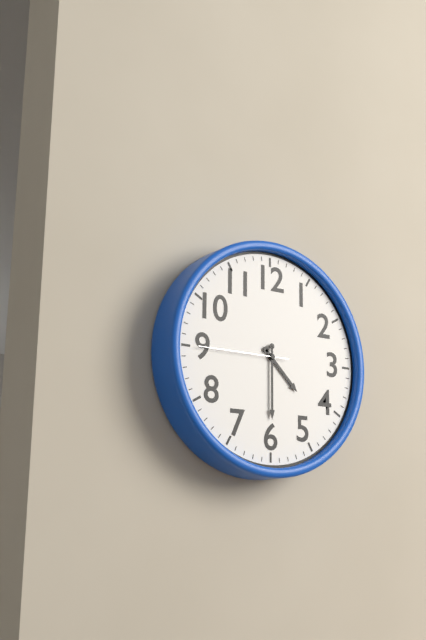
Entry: 4,30,45
